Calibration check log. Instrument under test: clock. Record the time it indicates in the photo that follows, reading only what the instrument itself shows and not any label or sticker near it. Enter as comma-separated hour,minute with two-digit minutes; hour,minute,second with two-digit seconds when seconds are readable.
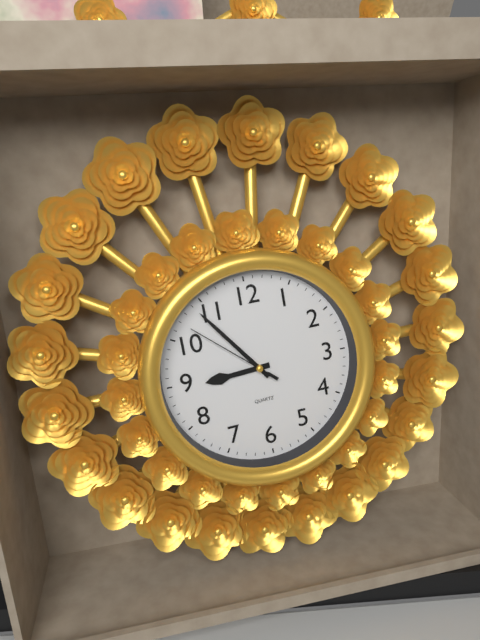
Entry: 8,54,52
